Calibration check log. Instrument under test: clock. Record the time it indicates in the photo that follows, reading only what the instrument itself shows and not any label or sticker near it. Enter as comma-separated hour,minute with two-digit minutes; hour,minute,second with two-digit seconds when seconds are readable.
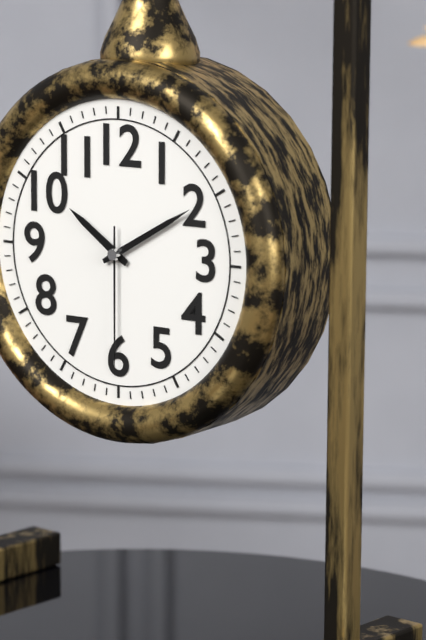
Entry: 10,10,30
